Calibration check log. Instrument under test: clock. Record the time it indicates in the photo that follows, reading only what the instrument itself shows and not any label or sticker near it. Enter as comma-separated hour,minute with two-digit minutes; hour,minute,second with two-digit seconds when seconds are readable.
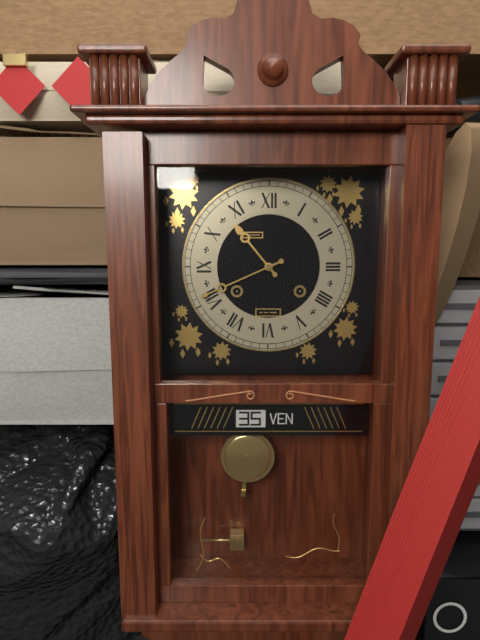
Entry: 10,41
